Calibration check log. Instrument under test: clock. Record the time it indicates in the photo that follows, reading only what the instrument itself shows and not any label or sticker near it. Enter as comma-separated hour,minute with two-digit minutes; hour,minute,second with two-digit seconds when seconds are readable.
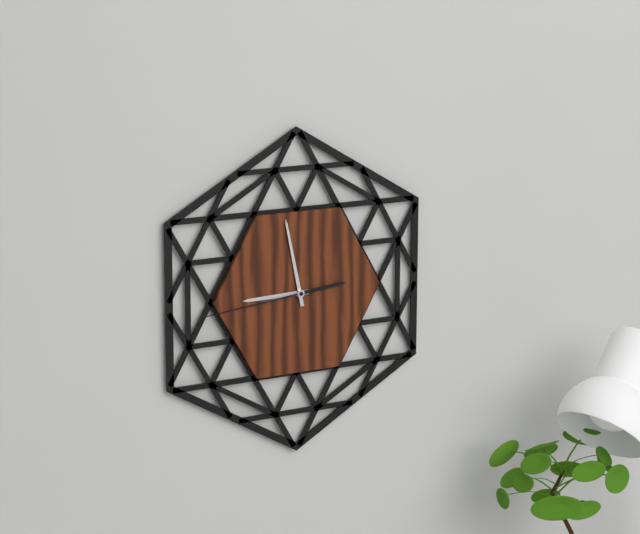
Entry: 8,58,44
